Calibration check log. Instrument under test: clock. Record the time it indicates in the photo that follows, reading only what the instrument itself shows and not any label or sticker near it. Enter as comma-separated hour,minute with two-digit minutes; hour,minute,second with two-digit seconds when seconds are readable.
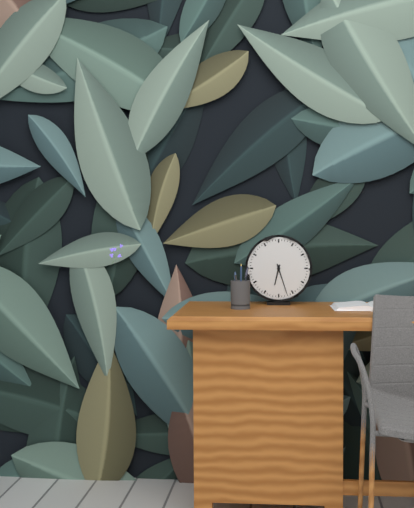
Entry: 6,27
